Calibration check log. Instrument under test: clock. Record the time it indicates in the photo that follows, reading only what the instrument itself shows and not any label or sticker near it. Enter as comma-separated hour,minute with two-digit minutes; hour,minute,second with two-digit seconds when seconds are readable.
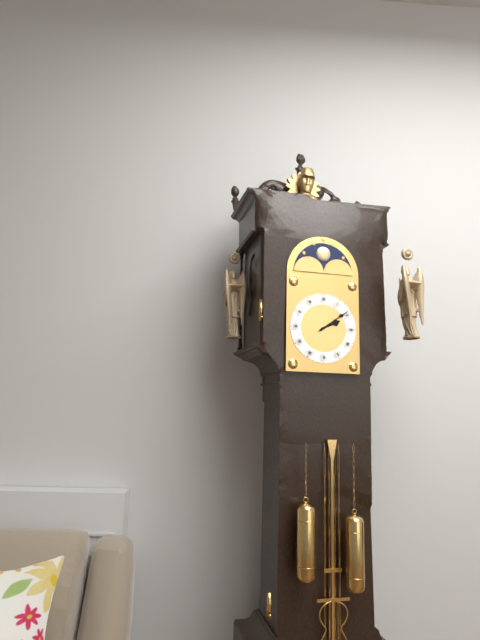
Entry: 2,09
